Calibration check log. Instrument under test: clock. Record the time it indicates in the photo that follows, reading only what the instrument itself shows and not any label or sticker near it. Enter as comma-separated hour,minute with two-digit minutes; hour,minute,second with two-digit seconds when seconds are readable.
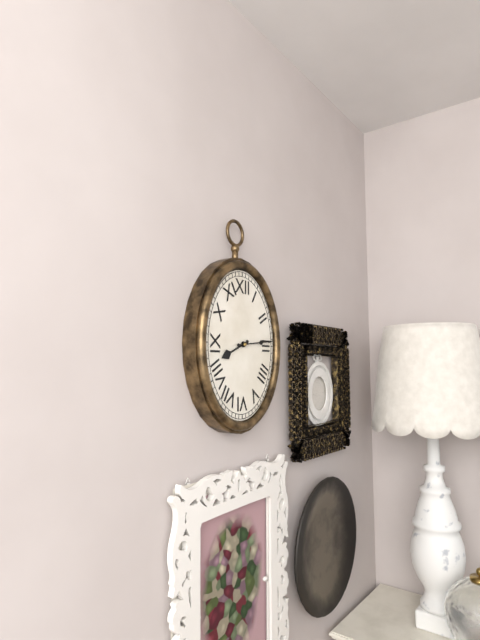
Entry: 8,14
